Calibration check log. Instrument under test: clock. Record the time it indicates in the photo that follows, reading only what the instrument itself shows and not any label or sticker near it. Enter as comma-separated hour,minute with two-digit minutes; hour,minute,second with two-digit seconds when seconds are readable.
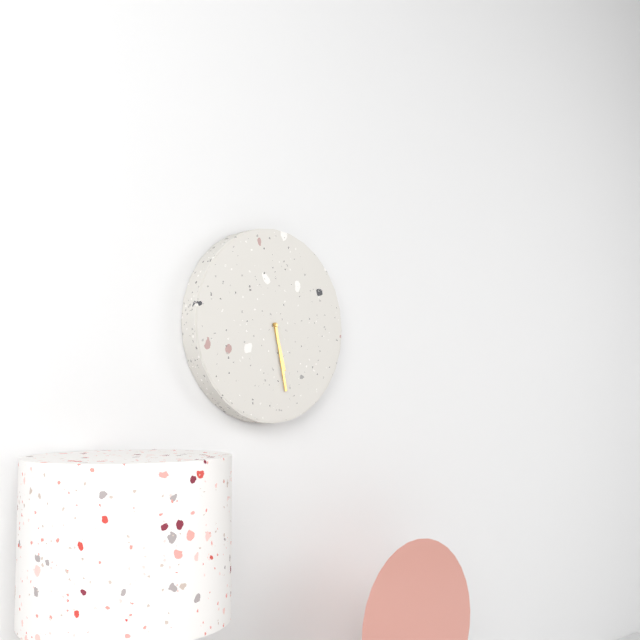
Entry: 5,28
